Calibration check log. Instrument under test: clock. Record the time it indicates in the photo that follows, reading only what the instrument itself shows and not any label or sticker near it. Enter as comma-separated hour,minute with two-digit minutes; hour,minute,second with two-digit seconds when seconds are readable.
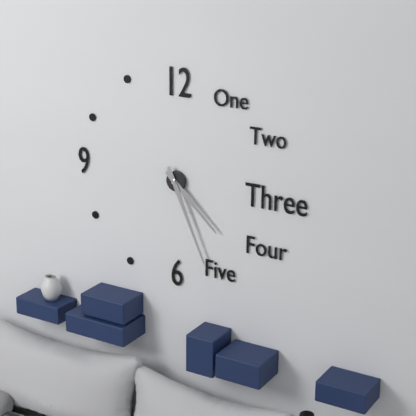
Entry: 4,26
